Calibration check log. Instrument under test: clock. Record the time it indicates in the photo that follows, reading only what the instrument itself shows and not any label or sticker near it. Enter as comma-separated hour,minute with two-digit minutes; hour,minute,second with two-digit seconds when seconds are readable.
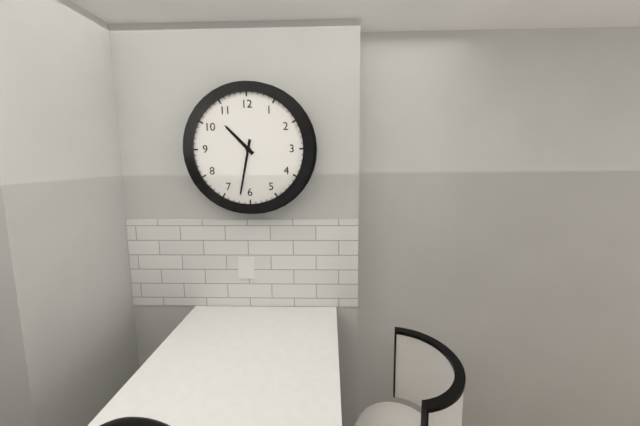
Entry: 10,32
